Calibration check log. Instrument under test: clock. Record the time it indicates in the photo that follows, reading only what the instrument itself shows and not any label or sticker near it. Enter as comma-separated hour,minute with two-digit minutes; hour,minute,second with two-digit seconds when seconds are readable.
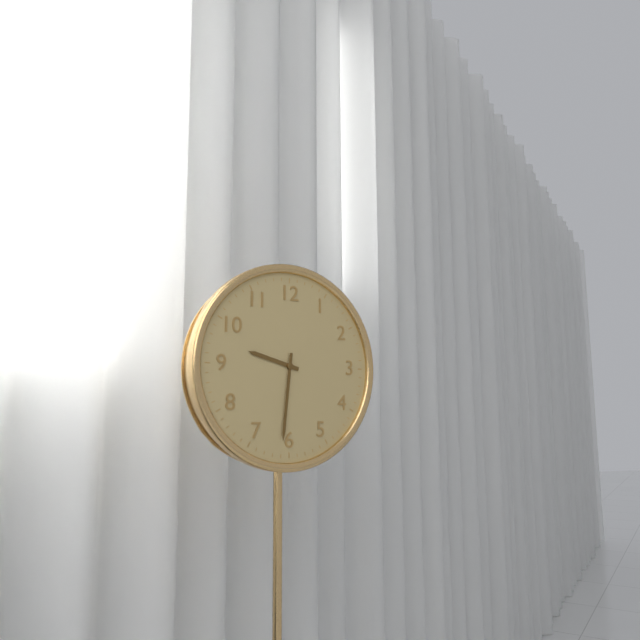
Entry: 9,31
